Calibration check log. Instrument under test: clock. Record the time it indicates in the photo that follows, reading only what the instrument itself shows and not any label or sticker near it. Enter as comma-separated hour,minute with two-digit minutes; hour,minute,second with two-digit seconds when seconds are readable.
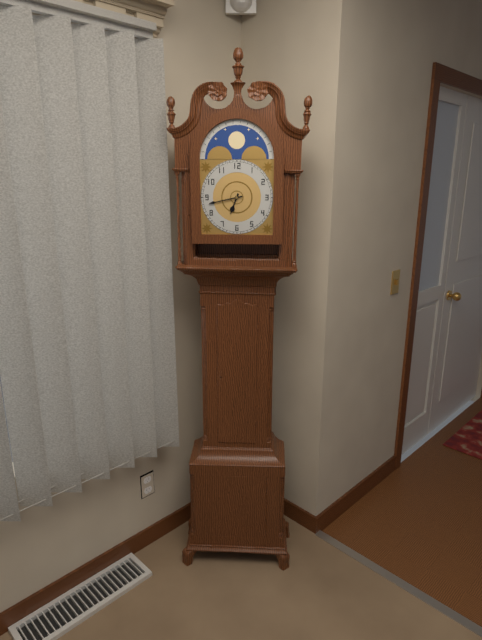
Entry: 6,43
